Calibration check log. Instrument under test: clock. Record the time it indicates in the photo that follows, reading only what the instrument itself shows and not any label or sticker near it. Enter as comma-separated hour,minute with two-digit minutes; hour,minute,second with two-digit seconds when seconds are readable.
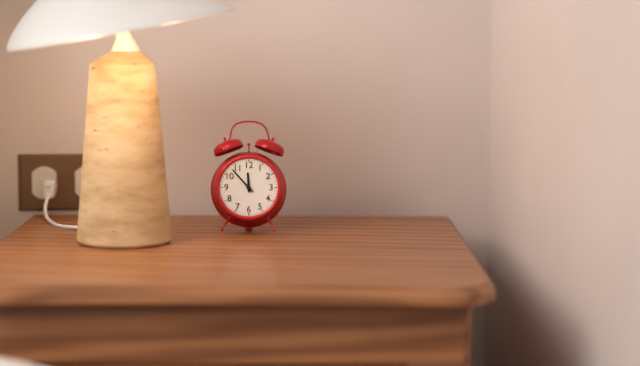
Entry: 11,53
